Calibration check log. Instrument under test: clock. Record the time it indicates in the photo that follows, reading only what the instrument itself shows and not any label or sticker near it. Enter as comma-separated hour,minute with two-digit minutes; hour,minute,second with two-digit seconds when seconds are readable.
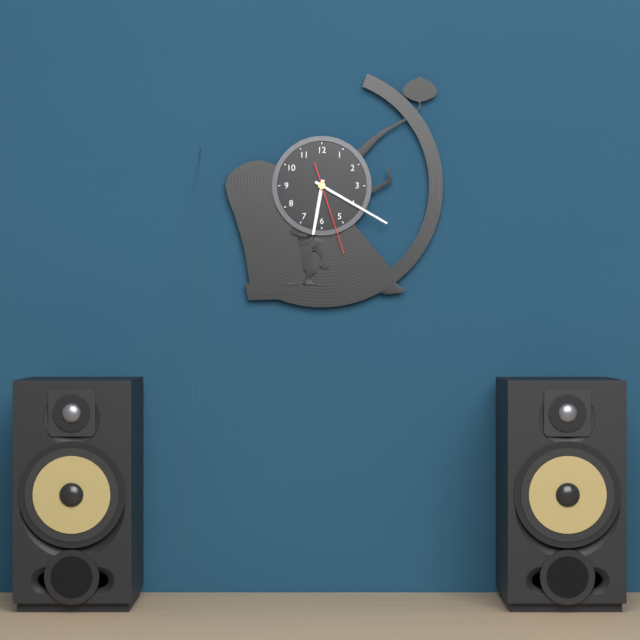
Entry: 6,20,27
